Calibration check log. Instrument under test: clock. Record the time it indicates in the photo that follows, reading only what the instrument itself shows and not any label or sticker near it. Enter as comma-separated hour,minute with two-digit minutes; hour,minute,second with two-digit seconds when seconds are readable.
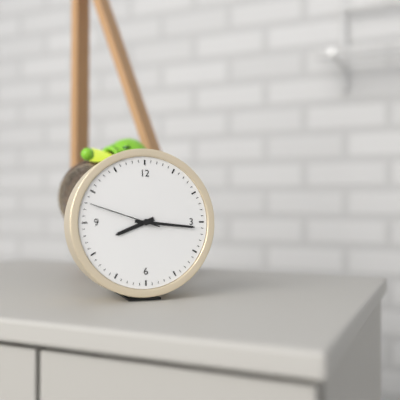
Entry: 8,16,48
